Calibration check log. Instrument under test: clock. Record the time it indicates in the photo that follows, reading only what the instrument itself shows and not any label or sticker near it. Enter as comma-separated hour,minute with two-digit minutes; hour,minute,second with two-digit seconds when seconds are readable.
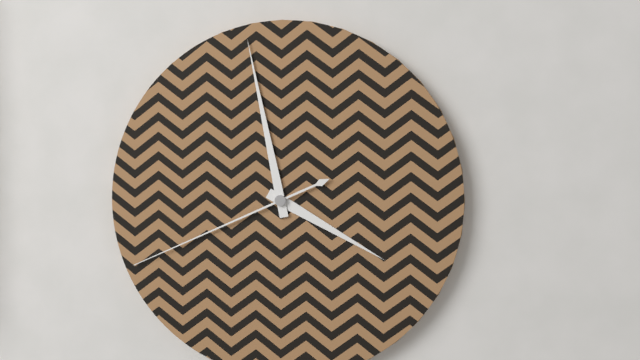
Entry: 3,58,41
